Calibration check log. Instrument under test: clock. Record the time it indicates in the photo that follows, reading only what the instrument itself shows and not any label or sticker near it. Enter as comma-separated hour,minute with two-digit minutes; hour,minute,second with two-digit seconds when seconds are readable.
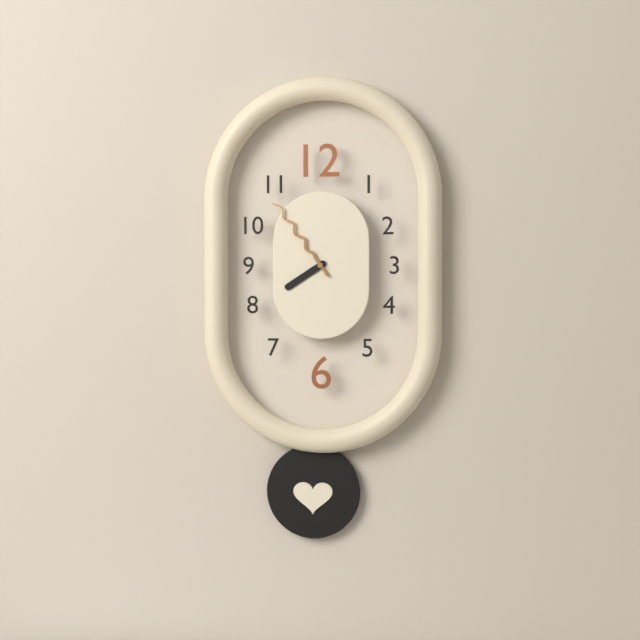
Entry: 7,54
